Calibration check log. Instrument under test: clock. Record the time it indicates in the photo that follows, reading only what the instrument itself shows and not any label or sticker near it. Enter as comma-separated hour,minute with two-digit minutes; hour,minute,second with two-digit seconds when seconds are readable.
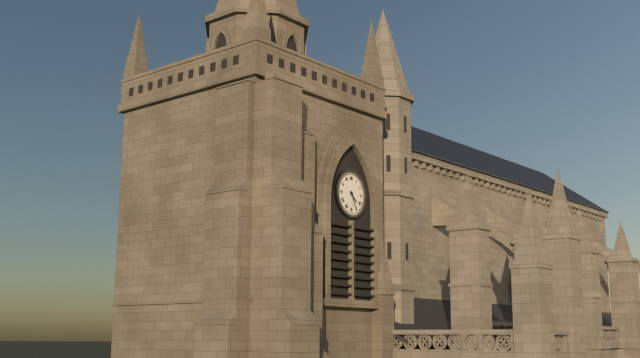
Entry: 4,26
